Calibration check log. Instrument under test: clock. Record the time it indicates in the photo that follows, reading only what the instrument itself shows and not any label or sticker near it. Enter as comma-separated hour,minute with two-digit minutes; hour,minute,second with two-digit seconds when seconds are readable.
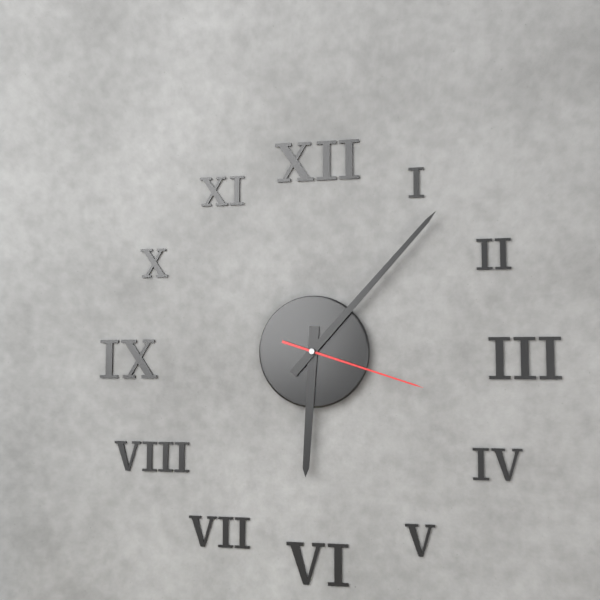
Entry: 6,07,18
